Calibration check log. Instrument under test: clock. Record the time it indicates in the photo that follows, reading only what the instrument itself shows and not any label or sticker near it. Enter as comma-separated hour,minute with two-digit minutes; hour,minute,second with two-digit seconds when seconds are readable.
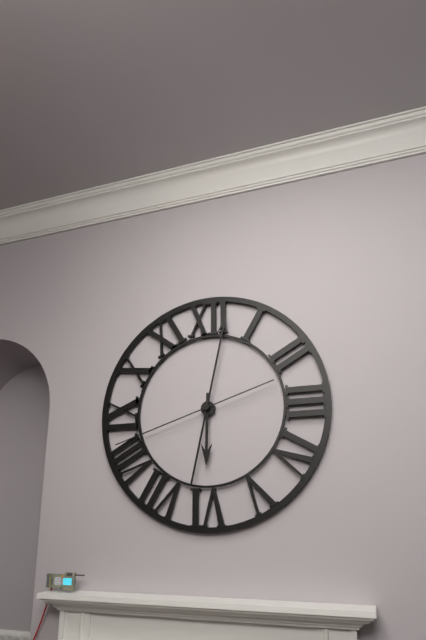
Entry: 6,02,42
